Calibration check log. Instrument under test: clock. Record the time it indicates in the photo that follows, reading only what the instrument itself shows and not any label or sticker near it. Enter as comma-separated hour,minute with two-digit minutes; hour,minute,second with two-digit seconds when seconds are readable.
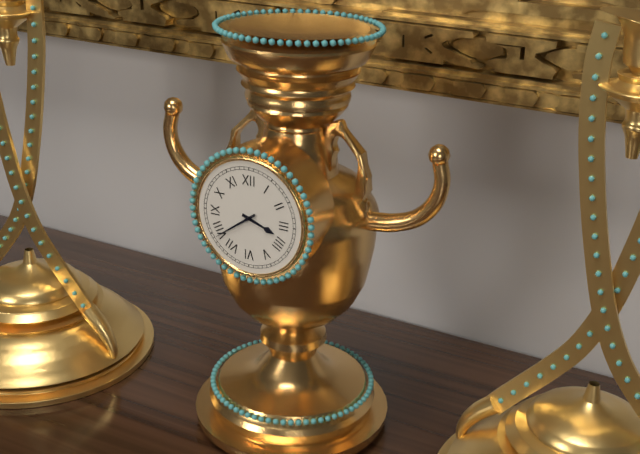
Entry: 3,39
